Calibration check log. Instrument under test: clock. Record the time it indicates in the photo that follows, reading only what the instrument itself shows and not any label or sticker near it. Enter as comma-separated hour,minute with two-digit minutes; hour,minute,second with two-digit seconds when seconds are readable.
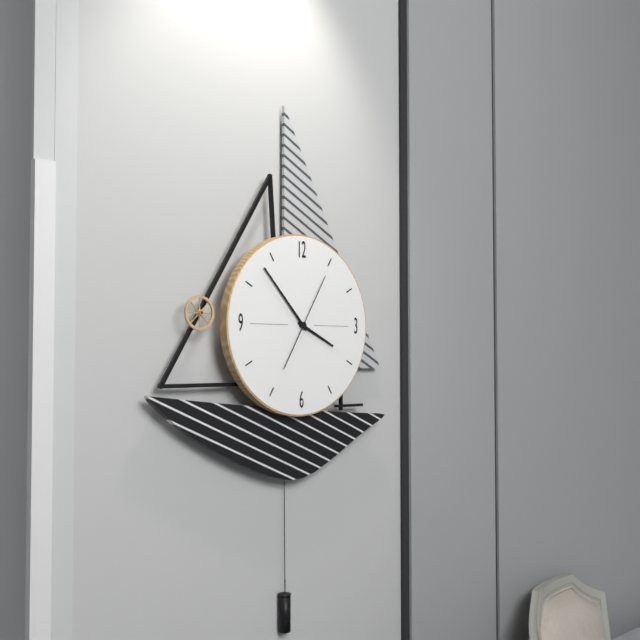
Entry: 3,53,05
